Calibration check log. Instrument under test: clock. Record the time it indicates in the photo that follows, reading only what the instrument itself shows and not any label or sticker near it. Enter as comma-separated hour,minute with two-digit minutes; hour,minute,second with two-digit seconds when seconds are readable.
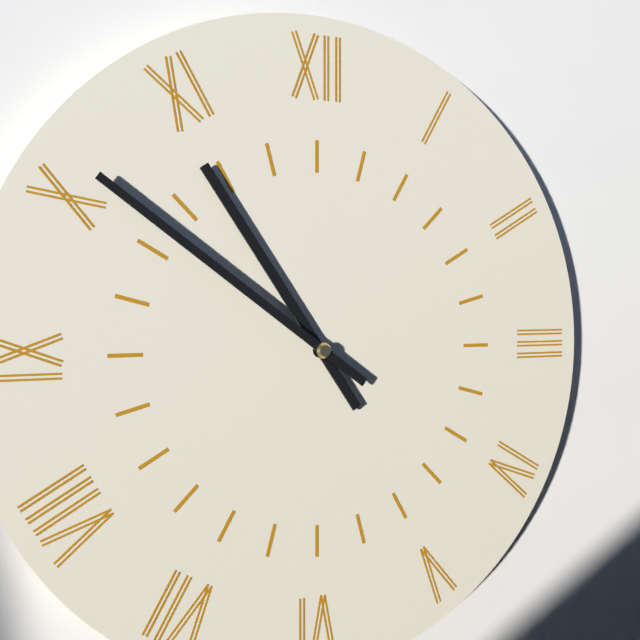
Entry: 10,51
